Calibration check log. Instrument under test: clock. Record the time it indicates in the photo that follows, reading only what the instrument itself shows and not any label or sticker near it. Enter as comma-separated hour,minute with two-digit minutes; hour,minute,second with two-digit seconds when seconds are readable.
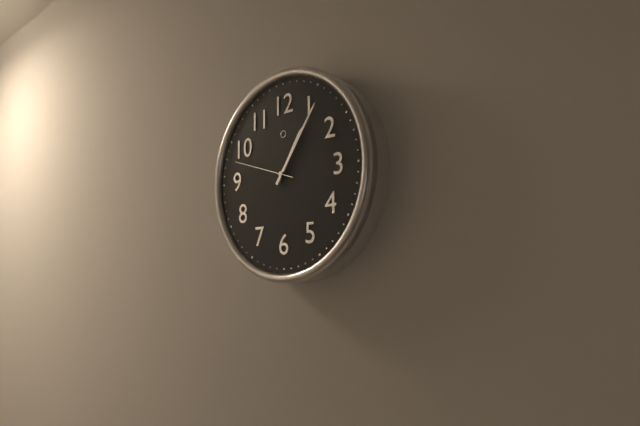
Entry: 1,06,48
